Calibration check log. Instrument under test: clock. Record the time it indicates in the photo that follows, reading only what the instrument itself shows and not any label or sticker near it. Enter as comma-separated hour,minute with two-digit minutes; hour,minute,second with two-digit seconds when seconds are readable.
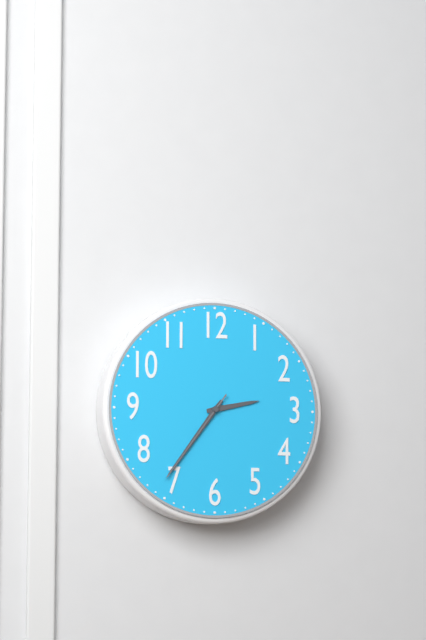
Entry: 2,36,36
